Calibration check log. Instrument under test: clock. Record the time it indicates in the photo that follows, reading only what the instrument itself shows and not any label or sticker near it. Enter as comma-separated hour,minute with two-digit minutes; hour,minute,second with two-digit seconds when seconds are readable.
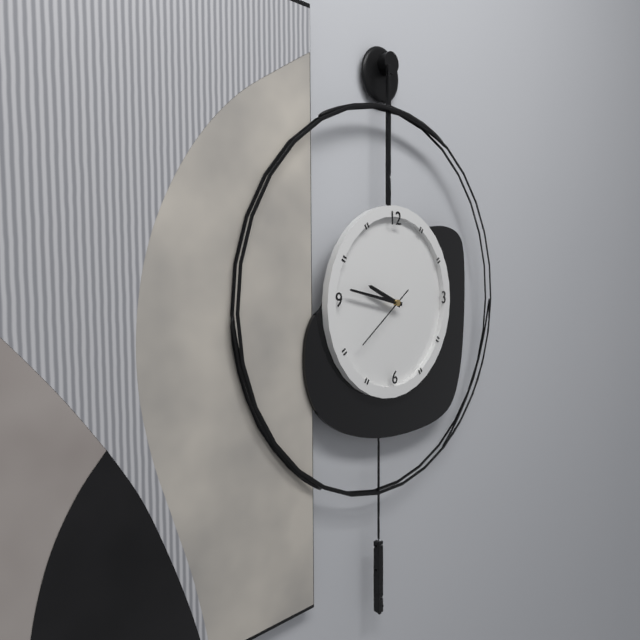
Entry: 9,47,39
